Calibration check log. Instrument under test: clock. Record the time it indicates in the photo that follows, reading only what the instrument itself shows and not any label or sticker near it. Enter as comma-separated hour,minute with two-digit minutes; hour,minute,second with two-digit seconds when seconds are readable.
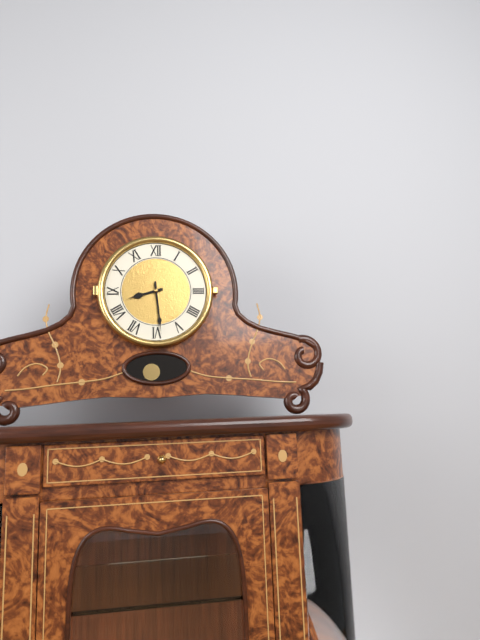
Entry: 8,29
